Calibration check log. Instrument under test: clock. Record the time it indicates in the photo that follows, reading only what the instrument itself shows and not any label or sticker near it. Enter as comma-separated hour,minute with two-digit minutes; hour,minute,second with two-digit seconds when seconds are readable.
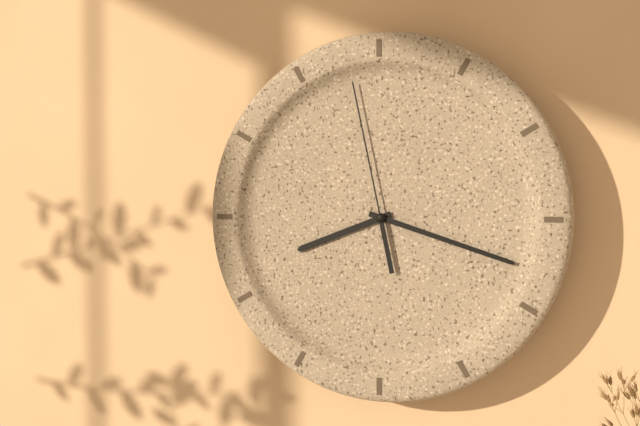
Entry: 8,18,58
